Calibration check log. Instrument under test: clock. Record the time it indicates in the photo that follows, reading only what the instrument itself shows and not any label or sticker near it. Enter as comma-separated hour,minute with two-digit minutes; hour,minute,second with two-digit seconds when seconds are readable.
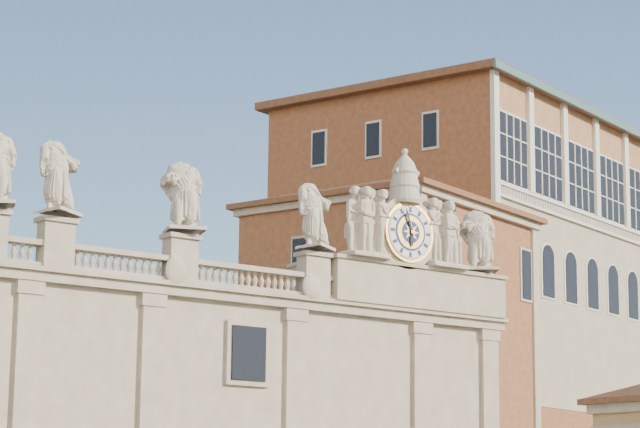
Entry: 5,57
